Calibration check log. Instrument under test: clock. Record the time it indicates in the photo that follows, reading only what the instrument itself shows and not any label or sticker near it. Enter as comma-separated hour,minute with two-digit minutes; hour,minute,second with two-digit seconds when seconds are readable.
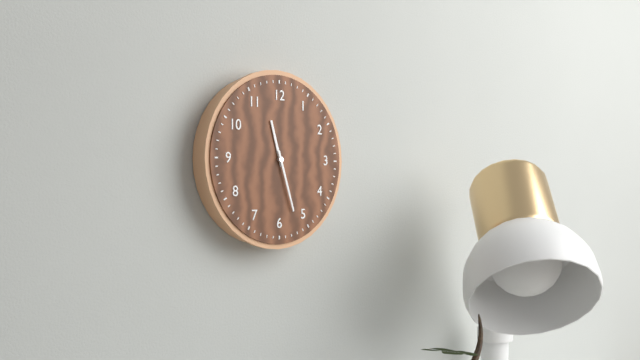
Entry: 11,27
